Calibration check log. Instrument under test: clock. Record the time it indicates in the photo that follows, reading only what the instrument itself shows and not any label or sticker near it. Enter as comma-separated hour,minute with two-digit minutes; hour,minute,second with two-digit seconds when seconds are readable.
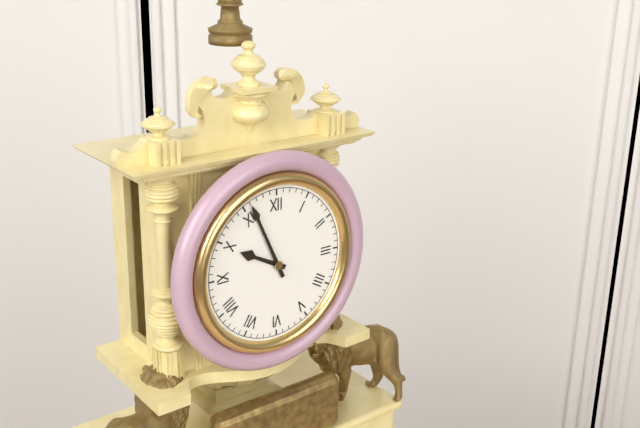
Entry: 9,56
